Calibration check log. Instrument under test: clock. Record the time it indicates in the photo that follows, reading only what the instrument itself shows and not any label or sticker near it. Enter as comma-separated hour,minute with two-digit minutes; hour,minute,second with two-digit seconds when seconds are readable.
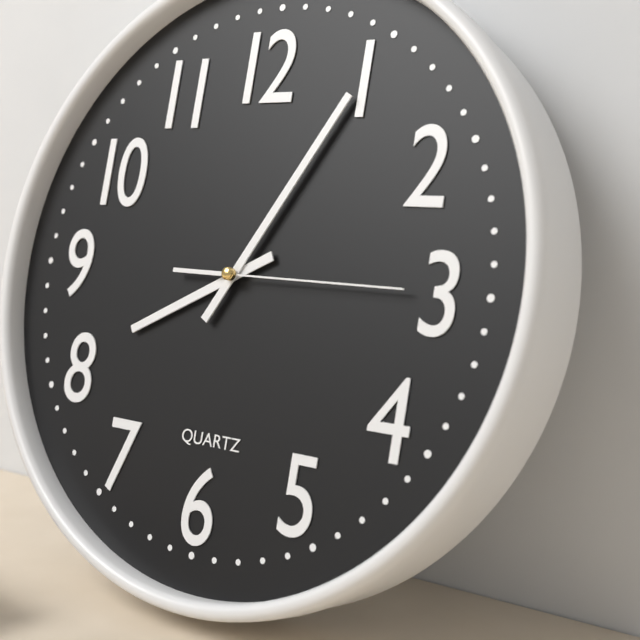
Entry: 8,05,15
